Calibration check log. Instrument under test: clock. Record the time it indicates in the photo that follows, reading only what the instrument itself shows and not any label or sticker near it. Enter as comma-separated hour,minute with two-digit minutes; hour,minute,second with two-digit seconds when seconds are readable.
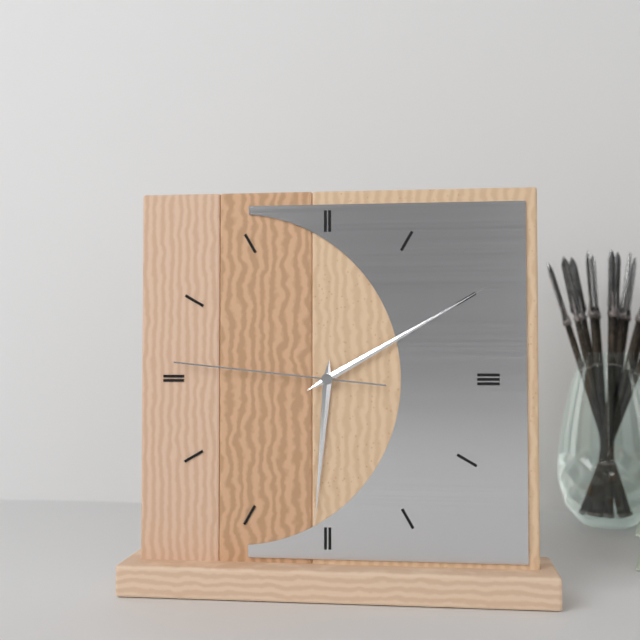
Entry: 6,10,46
